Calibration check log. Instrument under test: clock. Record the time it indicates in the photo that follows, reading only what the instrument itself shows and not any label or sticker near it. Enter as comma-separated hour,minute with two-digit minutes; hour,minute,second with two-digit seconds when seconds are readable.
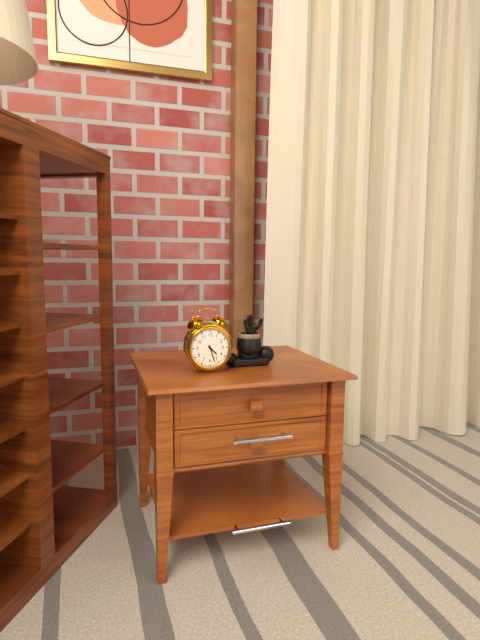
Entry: 4,27
